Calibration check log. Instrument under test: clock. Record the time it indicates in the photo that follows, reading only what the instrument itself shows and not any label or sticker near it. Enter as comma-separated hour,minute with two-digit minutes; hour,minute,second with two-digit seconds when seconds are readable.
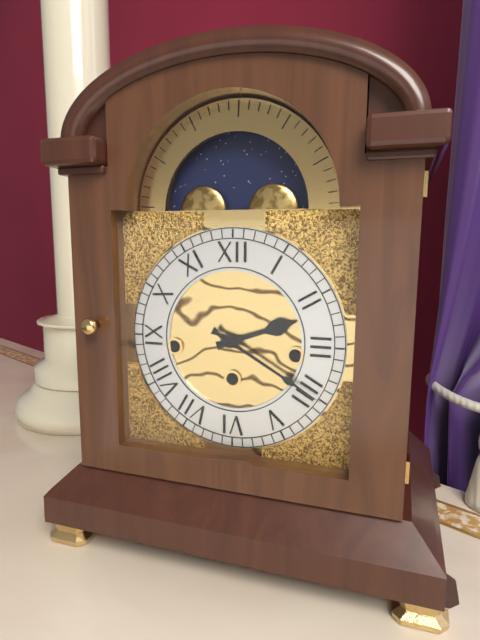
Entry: 2,20
